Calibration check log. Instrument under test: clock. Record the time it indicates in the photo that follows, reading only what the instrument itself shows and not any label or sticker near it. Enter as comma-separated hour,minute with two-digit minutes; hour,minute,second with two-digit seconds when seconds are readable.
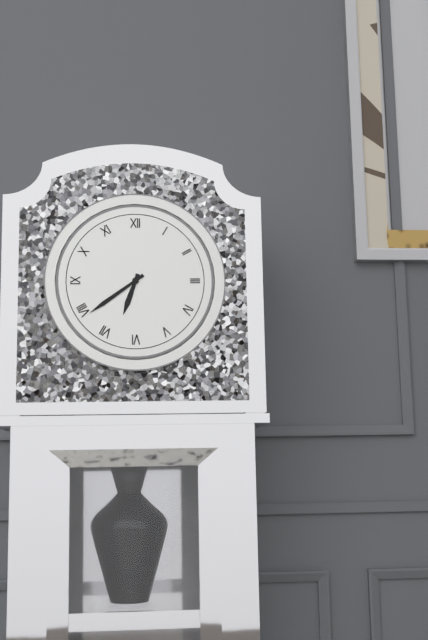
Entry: 6,39
